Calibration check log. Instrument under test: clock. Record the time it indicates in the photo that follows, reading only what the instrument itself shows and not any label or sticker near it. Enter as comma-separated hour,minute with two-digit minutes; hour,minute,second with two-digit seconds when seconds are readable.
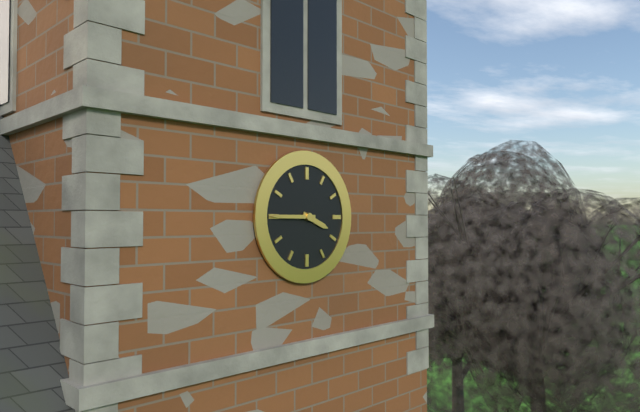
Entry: 3,45
